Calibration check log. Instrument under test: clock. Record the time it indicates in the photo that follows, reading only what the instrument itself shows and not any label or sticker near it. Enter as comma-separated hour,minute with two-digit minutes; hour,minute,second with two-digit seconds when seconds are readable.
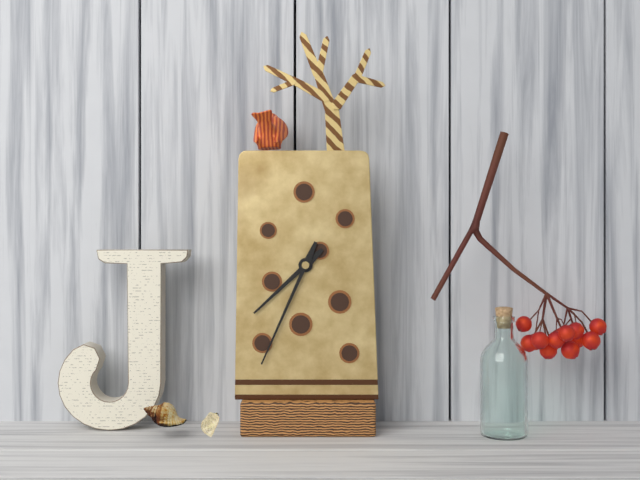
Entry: 7,34
